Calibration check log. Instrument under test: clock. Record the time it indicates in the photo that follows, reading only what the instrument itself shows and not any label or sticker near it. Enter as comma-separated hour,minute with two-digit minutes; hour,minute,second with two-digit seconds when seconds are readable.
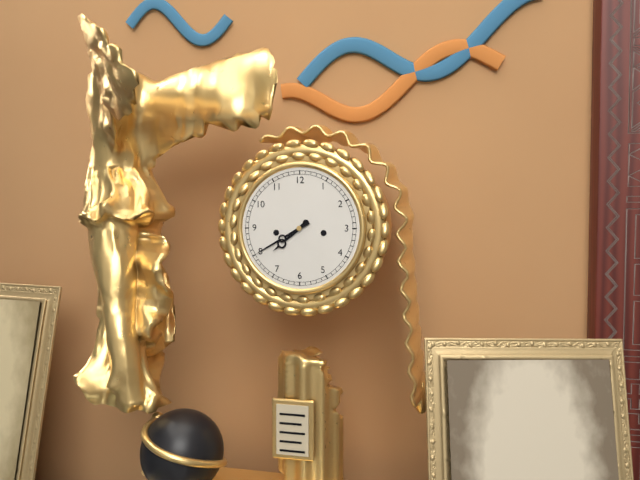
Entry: 7,40
